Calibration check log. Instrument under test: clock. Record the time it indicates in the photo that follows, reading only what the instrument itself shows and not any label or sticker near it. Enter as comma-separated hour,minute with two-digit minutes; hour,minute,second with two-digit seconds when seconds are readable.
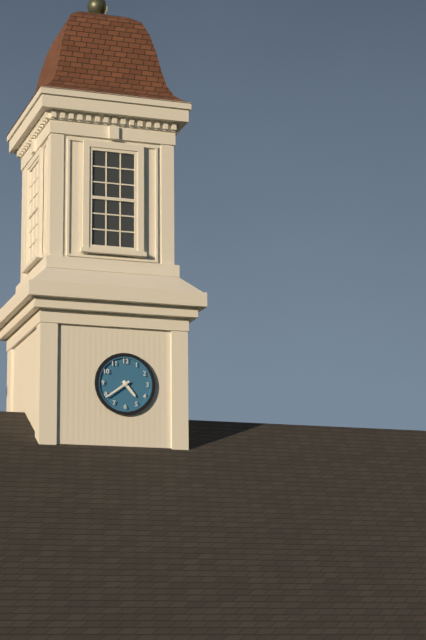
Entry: 4,39
